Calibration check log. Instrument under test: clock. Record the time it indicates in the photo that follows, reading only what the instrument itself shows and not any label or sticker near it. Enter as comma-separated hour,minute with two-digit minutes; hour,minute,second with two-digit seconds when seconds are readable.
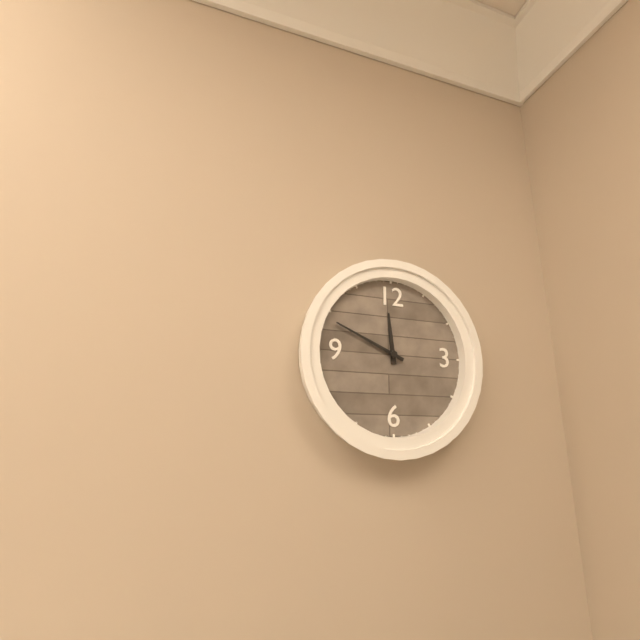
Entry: 11,49
